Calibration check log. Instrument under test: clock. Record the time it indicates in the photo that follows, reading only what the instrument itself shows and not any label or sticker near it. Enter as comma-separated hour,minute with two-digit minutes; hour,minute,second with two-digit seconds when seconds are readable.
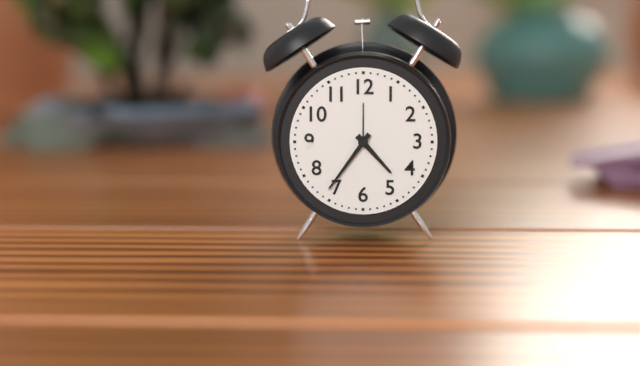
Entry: 4,36
